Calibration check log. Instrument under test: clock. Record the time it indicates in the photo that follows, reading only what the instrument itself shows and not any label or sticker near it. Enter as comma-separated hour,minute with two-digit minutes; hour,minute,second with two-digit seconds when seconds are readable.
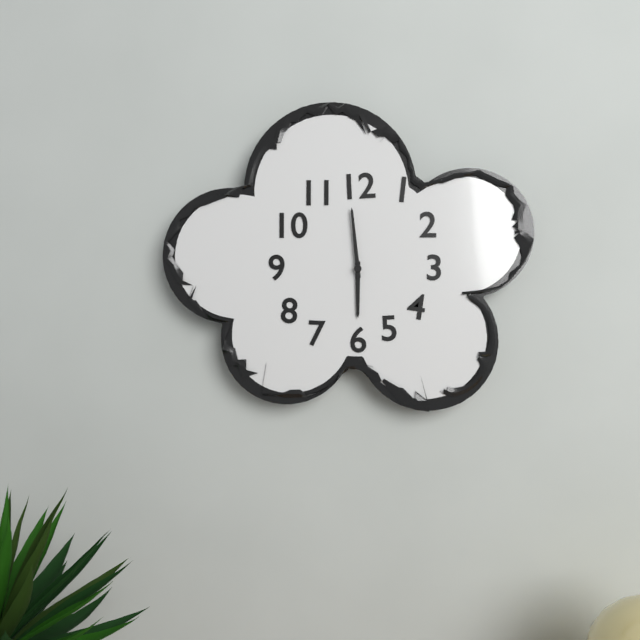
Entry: 5,59
